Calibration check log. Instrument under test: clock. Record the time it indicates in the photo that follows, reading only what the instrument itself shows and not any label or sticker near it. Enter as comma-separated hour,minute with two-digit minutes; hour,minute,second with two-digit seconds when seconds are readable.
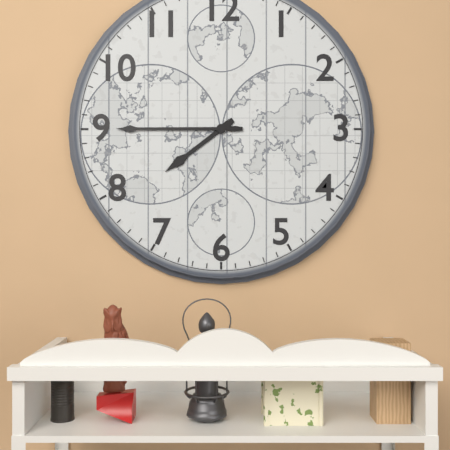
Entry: 7,45
